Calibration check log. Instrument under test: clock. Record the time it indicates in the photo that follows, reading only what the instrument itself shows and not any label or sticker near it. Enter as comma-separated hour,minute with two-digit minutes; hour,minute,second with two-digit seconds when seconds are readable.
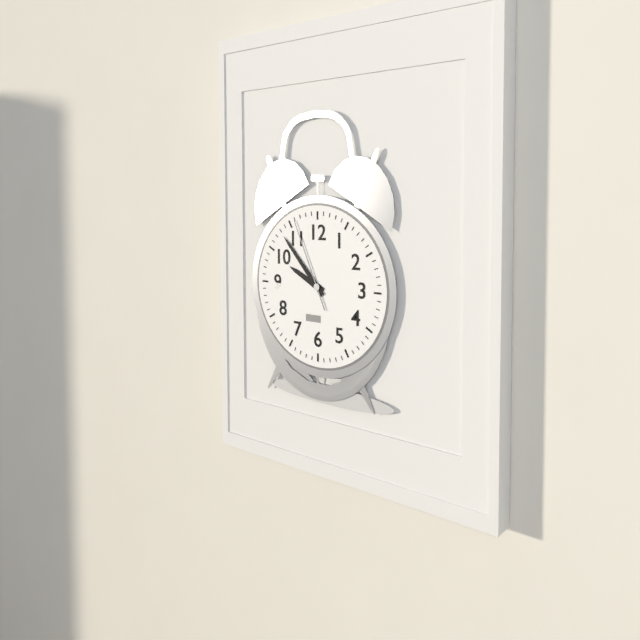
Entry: 9,53,56
